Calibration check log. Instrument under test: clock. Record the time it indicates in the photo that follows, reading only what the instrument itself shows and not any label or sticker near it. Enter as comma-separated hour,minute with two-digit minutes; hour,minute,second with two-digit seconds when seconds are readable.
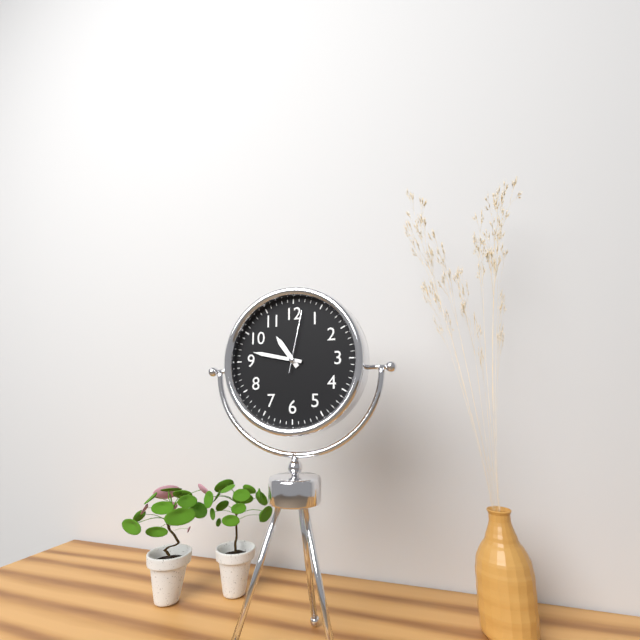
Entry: 10,47,02
